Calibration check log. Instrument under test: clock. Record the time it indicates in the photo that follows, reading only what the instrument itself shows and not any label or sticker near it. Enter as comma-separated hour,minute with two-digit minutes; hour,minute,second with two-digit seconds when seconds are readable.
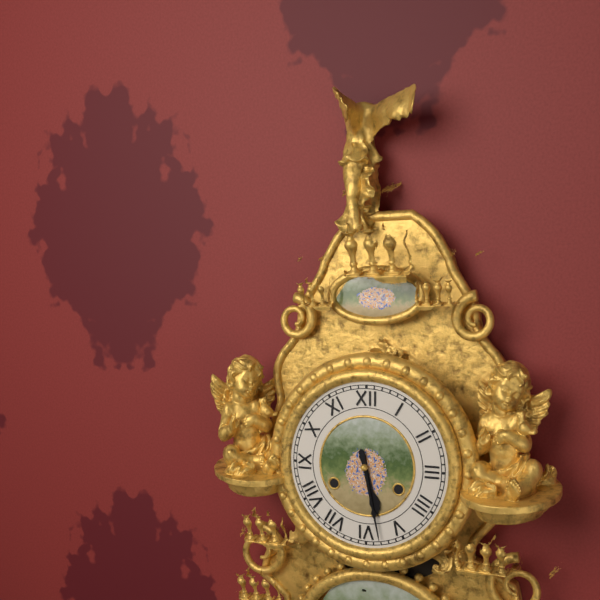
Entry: 5,28
